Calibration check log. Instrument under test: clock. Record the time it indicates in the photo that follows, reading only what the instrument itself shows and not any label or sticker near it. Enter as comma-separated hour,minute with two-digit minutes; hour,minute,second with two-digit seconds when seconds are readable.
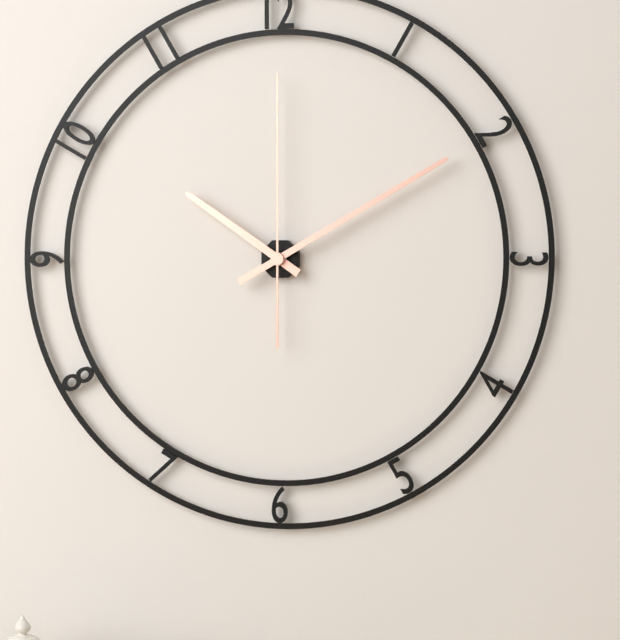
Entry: 10,10,00
